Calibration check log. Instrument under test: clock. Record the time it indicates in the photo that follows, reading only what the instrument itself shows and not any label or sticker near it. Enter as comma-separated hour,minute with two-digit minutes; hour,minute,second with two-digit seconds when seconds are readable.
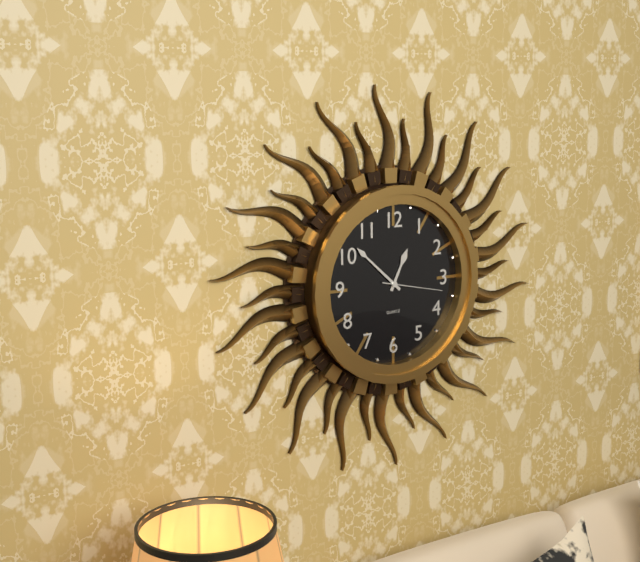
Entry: 12,52,17
